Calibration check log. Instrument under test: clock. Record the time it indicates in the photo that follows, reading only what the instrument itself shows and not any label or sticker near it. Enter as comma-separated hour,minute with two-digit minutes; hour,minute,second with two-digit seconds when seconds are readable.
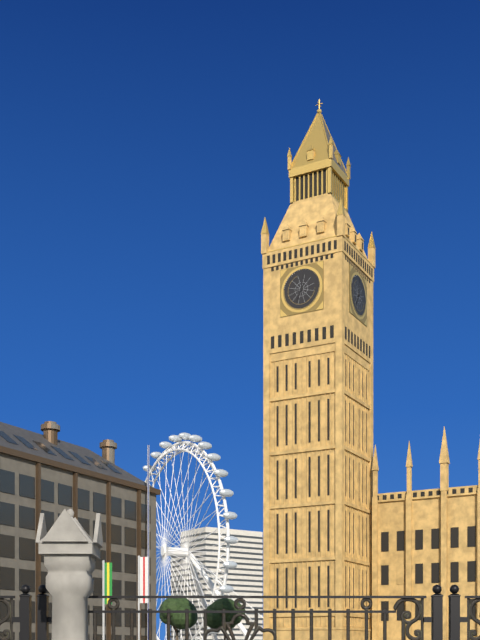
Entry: 7,01
